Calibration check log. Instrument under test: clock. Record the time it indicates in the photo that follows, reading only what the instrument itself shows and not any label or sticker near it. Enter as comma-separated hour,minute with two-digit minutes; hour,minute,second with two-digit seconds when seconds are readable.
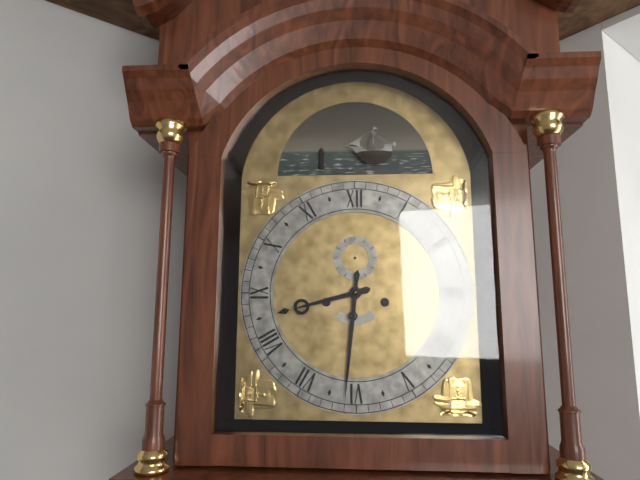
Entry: 8,31
